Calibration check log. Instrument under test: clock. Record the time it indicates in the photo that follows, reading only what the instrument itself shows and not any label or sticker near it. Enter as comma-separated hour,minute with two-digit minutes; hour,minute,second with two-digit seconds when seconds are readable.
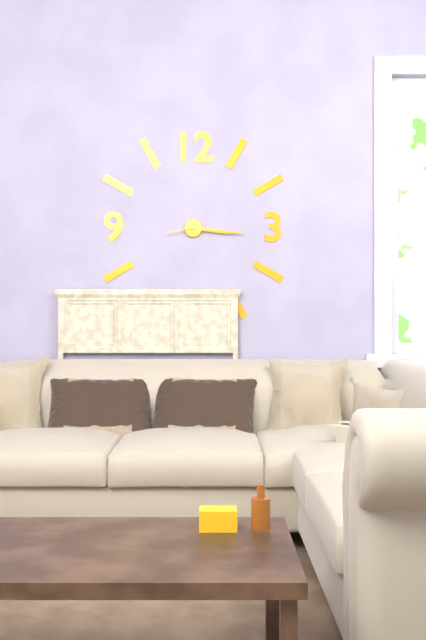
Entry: 3,16
